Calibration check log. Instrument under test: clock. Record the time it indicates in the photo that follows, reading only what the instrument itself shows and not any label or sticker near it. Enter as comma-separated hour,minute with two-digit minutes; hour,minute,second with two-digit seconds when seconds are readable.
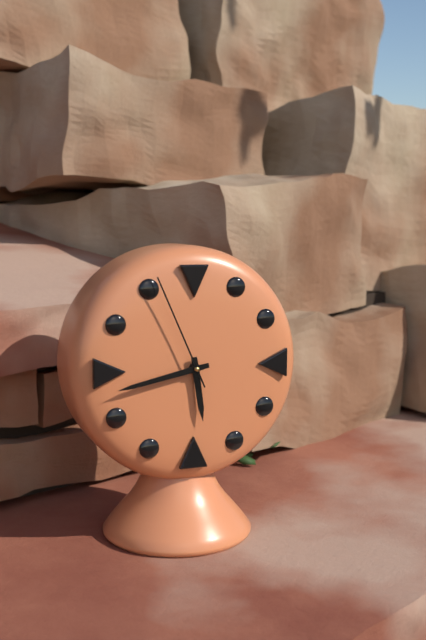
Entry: 5,43,56
